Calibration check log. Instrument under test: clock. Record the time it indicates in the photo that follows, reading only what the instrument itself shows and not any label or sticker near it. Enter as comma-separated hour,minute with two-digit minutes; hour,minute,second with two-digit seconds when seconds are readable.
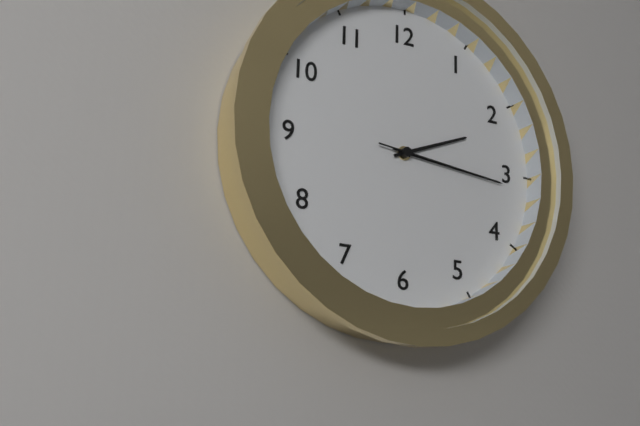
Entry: 2,16,16
